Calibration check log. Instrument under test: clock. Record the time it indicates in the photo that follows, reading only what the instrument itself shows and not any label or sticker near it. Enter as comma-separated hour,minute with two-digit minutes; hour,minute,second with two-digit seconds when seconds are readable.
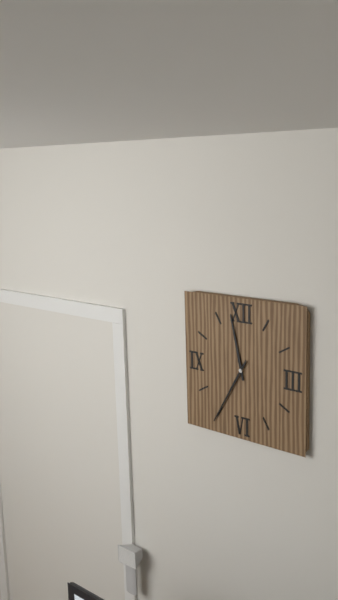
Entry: 11,35
